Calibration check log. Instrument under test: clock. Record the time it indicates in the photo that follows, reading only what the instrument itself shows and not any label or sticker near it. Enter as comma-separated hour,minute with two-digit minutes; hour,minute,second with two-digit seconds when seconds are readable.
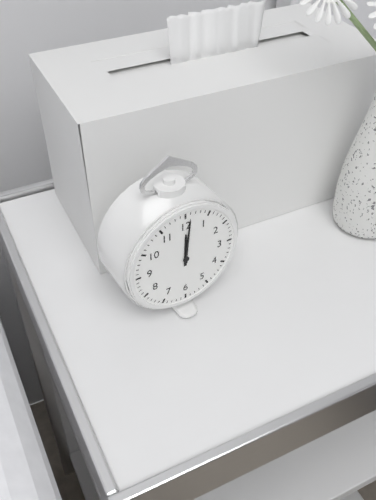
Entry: 12,01
